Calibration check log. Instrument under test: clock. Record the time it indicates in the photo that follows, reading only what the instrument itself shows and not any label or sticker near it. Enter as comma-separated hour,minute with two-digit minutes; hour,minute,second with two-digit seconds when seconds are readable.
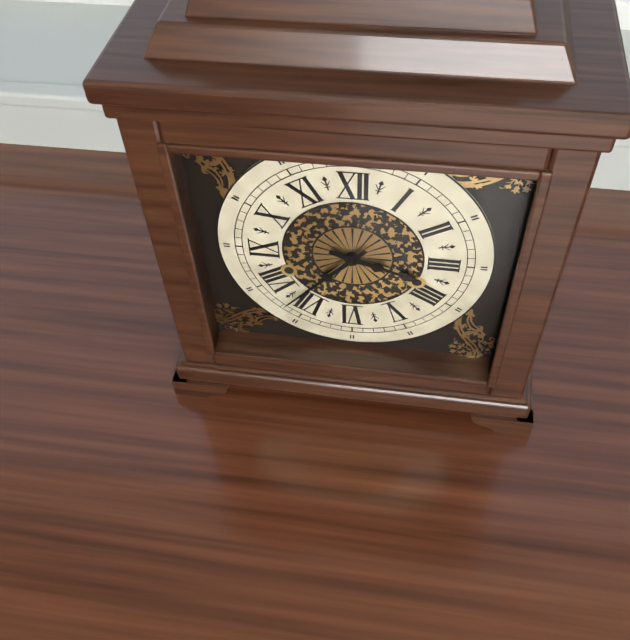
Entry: 3,37
